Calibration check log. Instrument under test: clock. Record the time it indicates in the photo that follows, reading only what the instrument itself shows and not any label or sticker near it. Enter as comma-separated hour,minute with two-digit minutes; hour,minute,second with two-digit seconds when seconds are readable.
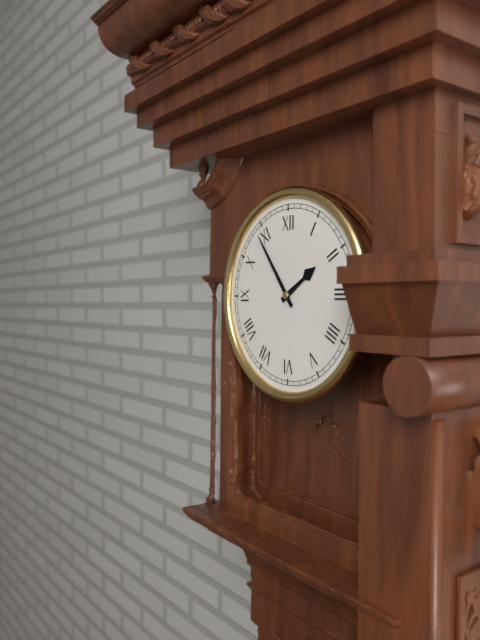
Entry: 1,54
